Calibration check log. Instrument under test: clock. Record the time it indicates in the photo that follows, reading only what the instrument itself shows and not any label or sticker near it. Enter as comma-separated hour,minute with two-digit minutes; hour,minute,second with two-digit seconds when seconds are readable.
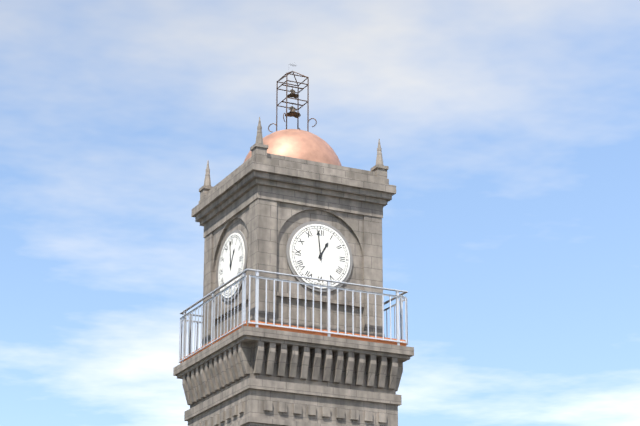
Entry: 12,59
